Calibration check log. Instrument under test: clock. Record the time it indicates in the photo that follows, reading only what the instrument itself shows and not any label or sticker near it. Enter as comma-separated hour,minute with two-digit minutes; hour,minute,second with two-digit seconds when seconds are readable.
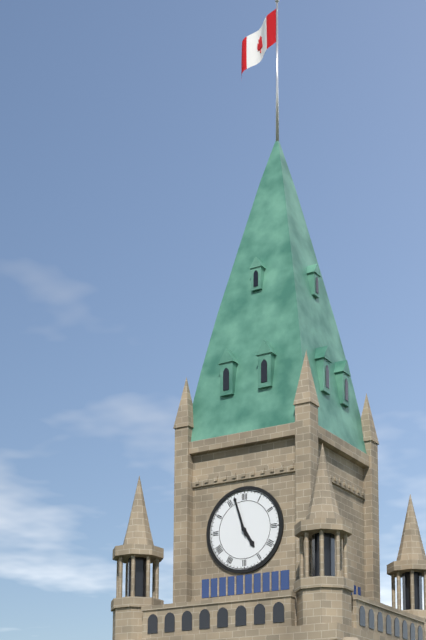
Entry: 4,57
